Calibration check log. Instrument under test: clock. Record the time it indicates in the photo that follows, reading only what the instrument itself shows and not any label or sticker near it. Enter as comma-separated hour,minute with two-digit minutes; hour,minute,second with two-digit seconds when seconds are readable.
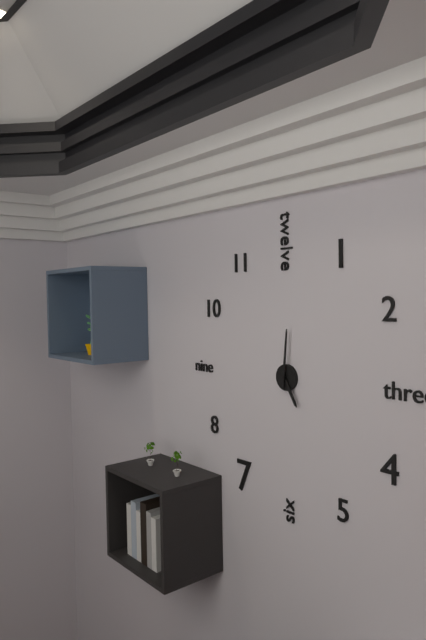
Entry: 5,01
